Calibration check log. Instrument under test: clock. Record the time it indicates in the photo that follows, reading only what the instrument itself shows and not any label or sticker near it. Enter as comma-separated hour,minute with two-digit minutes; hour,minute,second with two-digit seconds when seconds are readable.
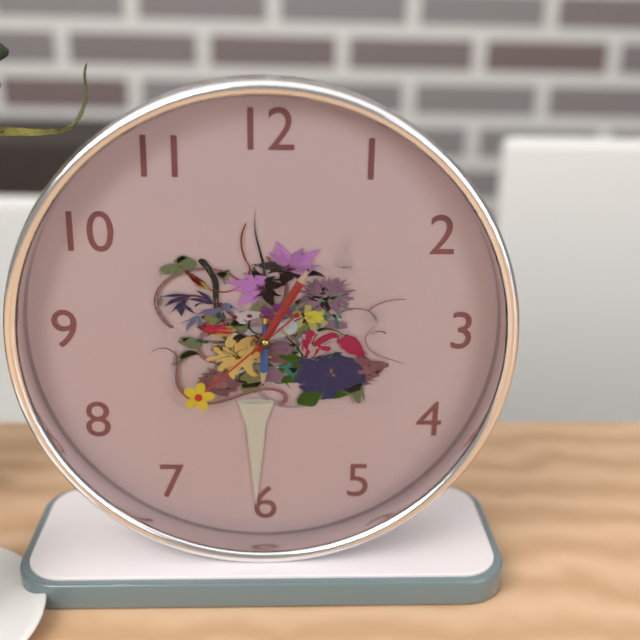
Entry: 6,05,38
